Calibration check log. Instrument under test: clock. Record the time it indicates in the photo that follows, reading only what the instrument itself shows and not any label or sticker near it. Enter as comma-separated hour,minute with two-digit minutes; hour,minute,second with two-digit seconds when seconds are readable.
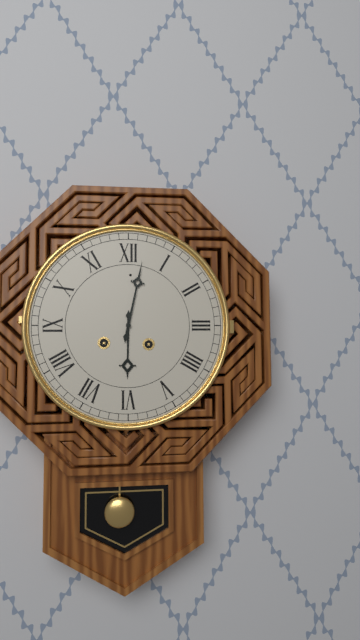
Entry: 6,02
